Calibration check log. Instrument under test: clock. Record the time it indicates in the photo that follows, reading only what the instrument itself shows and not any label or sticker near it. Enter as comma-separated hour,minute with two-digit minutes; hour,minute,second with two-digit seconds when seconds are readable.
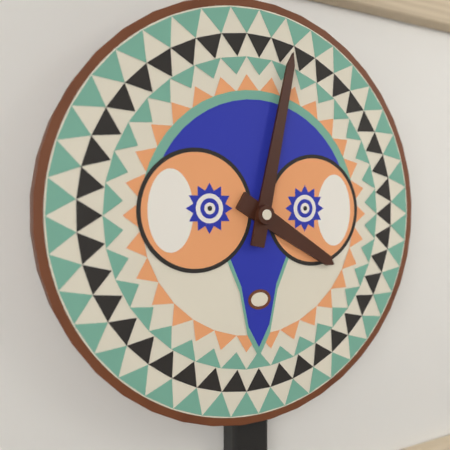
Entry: 4,02
